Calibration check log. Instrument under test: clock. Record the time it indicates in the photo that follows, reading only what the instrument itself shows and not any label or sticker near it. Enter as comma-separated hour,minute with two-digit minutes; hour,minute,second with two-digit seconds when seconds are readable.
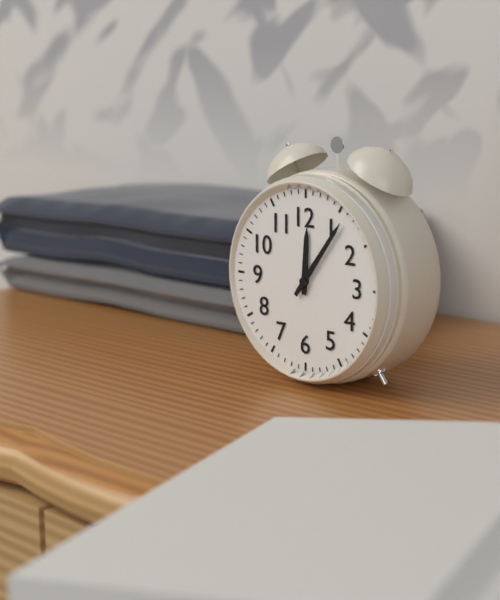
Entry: 12,06
